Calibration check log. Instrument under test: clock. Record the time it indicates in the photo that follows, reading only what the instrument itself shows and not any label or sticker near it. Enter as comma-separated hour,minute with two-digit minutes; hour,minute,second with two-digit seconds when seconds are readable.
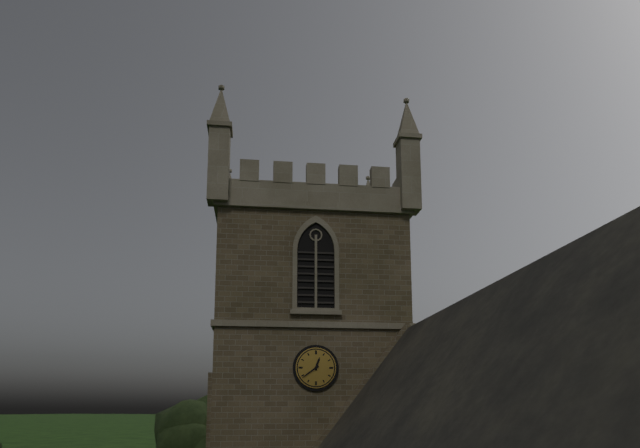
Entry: 12,39
